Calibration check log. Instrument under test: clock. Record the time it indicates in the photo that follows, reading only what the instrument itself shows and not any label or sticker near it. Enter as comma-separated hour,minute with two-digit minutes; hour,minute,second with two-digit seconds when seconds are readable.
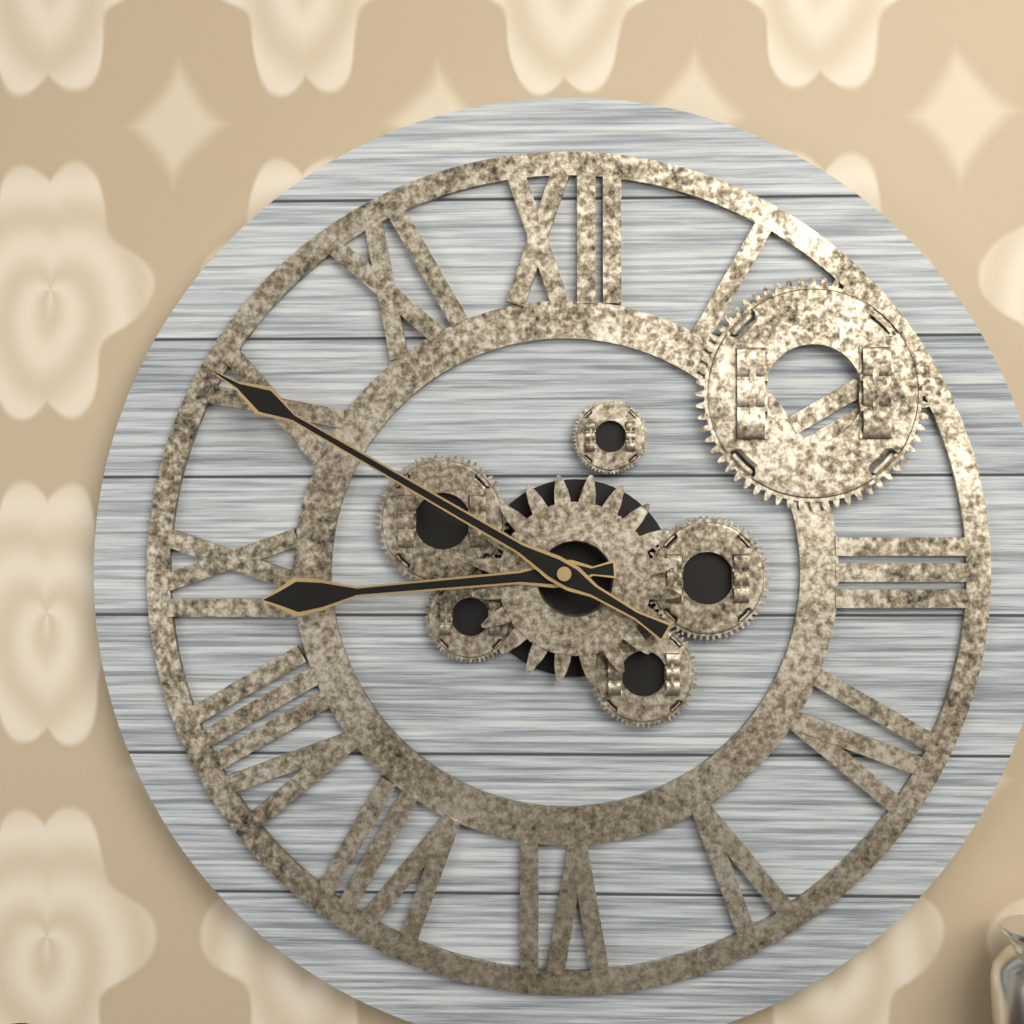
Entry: 8,50
